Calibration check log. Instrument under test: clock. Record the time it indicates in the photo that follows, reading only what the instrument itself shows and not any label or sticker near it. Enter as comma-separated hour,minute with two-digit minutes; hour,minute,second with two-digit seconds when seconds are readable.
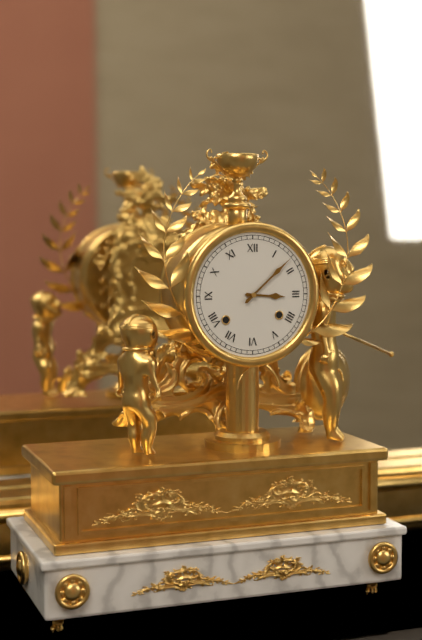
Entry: 3,08
